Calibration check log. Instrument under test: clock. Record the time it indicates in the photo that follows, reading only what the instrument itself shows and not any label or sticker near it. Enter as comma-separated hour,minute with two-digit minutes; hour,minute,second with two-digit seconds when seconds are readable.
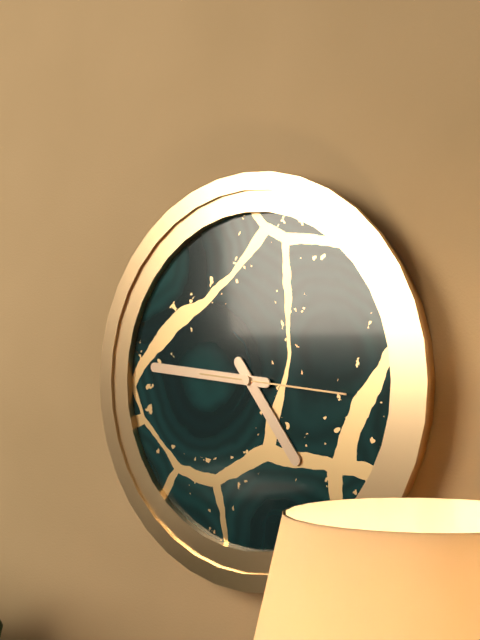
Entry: 4,46,16
